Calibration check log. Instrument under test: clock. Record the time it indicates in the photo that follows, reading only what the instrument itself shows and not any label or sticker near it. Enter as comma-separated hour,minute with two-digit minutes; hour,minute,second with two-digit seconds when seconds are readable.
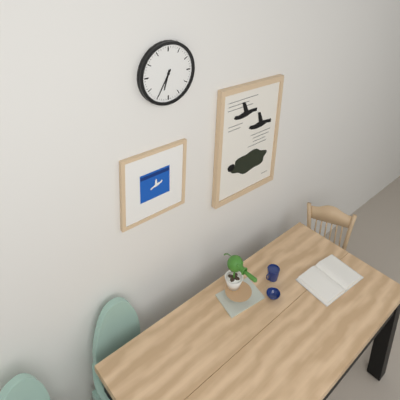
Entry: 6,35
